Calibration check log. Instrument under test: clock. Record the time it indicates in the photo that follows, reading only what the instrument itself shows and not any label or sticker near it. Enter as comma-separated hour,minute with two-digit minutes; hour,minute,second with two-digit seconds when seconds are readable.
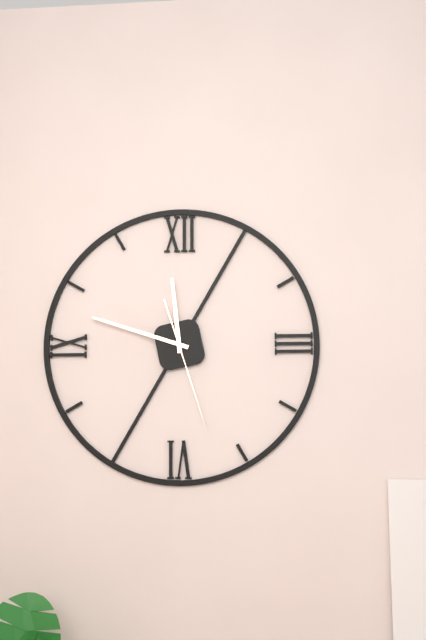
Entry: 11,48,27
